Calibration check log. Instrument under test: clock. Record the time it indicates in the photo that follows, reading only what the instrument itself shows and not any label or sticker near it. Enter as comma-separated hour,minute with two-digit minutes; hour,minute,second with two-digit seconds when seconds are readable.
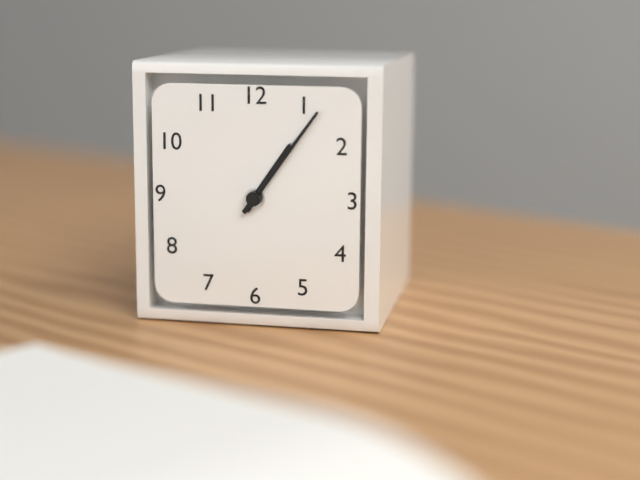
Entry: 1,06
